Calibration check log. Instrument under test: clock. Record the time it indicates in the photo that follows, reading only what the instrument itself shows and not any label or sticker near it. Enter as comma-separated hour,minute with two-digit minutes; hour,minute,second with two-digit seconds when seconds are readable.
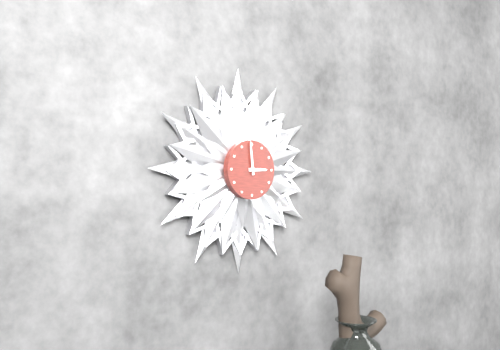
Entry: 2,59
